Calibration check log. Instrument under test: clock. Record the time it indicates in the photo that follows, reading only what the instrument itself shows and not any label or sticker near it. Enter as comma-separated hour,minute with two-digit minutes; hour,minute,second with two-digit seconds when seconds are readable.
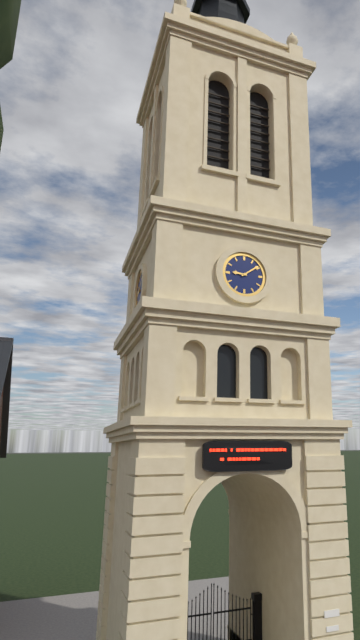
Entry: 9,09
